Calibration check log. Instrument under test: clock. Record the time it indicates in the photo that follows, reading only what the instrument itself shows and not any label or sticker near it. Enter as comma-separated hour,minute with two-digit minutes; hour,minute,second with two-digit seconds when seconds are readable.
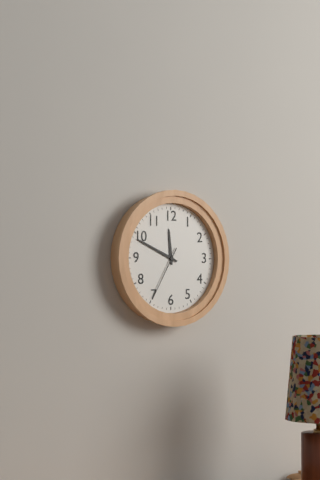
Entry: 11,49,35
